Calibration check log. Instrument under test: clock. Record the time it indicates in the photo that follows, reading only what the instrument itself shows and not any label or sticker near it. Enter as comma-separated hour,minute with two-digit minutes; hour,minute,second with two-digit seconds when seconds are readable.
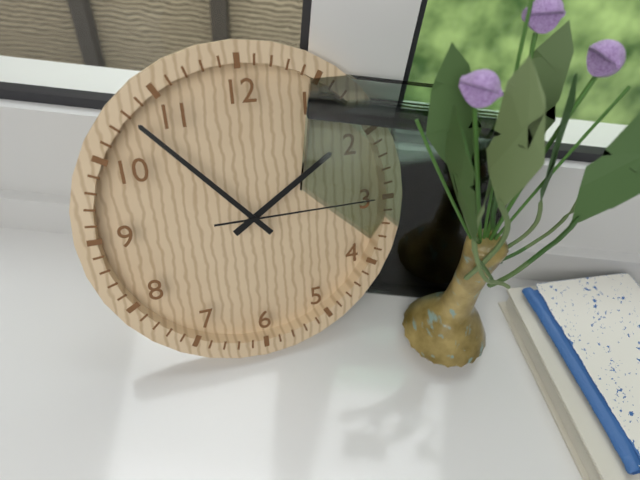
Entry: 1,53,15
